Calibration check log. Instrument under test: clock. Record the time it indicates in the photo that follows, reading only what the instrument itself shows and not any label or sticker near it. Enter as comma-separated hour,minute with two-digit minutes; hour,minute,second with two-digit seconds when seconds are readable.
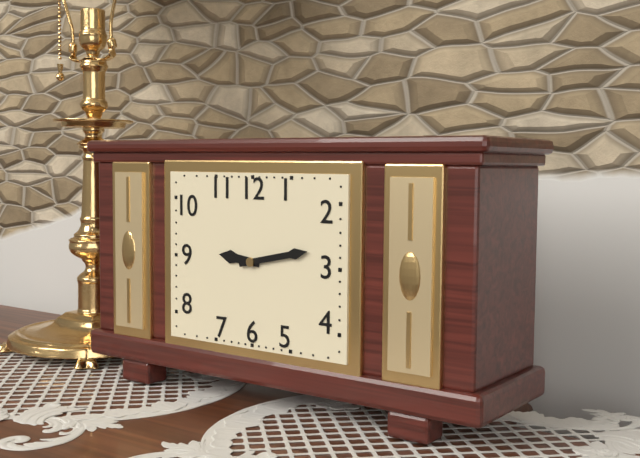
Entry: 9,13
